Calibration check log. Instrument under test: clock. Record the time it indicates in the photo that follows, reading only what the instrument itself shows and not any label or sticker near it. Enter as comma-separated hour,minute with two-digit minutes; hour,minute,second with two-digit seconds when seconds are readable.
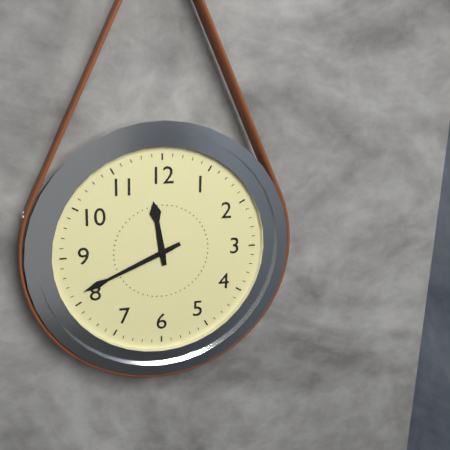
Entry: 11,41
